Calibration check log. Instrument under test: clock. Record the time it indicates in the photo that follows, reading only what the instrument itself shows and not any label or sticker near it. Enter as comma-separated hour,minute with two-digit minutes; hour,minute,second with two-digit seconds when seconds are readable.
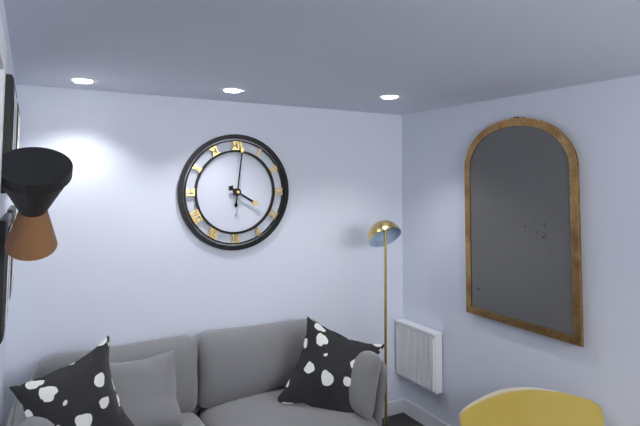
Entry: 4,01
